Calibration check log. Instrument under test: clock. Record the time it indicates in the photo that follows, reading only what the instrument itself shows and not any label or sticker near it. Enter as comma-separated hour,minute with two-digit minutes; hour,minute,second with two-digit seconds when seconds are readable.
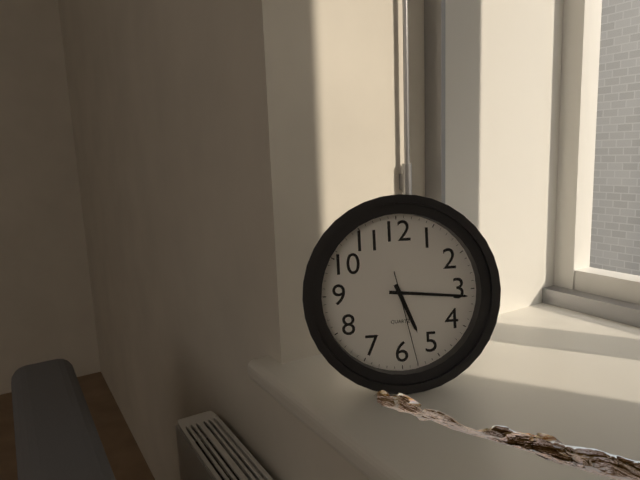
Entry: 5,16,28
